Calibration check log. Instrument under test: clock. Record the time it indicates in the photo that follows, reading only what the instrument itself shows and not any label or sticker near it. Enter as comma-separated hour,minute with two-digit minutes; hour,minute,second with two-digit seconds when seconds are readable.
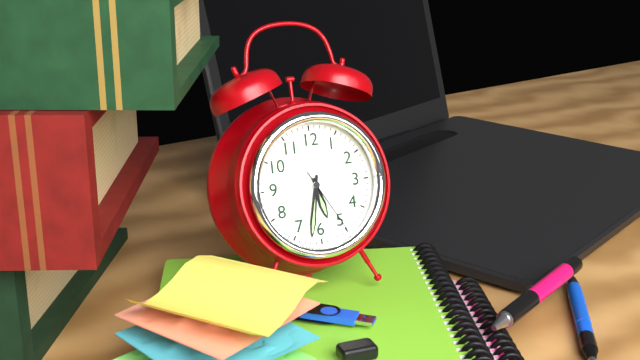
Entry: 5,32,25
